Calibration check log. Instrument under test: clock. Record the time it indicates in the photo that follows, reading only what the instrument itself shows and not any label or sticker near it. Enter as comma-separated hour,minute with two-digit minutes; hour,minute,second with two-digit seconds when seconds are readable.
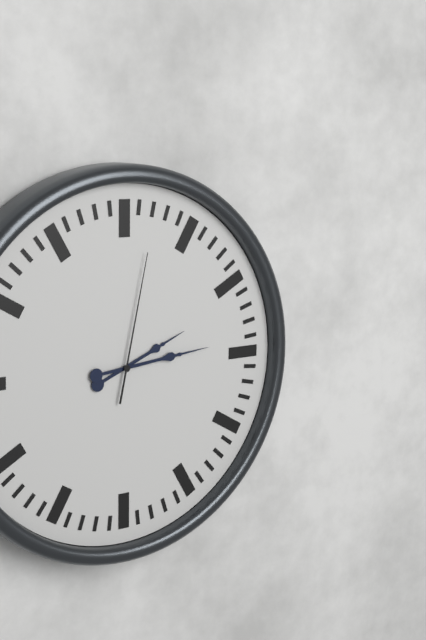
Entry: 2,14,02
